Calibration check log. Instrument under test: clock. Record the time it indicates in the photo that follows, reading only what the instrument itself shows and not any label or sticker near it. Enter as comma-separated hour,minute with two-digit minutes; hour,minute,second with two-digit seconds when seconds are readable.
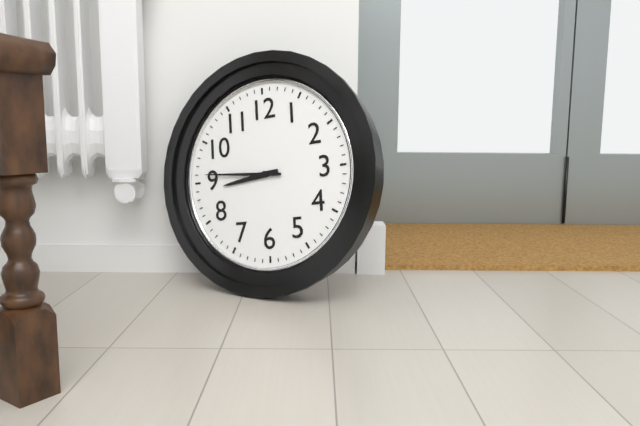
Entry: 8,46
